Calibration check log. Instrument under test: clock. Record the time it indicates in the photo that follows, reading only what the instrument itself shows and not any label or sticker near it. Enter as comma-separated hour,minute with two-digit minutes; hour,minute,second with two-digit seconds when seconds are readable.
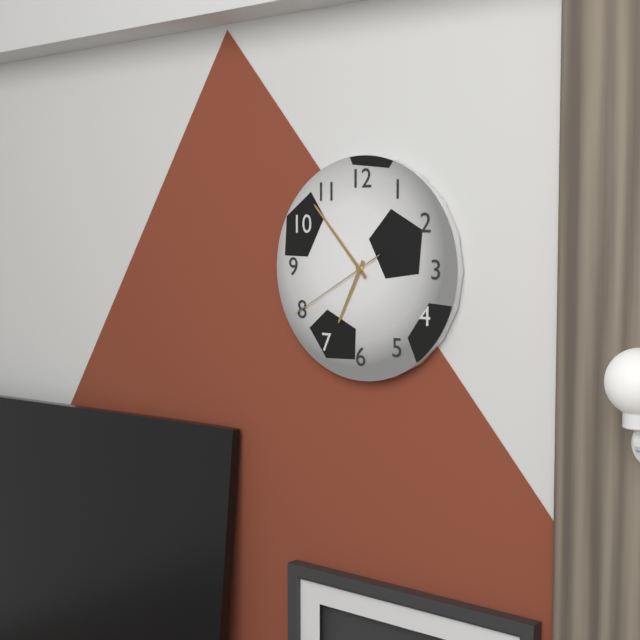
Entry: 6,53,40
